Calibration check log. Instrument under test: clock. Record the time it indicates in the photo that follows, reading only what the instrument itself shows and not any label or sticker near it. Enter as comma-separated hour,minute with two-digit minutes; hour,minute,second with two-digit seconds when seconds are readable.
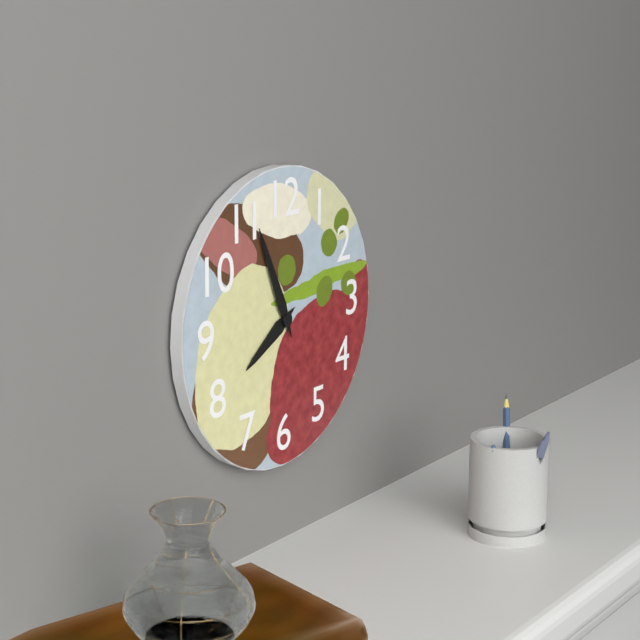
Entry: 7,56
